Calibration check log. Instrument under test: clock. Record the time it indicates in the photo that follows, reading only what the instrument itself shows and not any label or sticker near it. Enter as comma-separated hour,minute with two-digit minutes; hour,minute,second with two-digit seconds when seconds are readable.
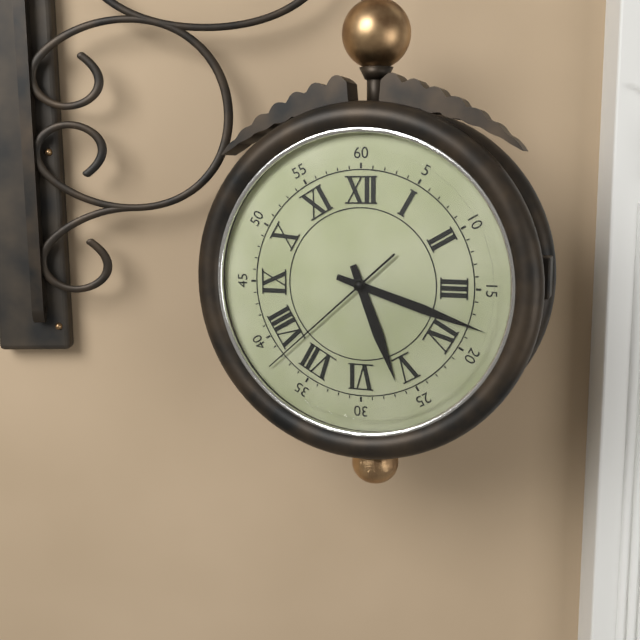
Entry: 5,18,38
